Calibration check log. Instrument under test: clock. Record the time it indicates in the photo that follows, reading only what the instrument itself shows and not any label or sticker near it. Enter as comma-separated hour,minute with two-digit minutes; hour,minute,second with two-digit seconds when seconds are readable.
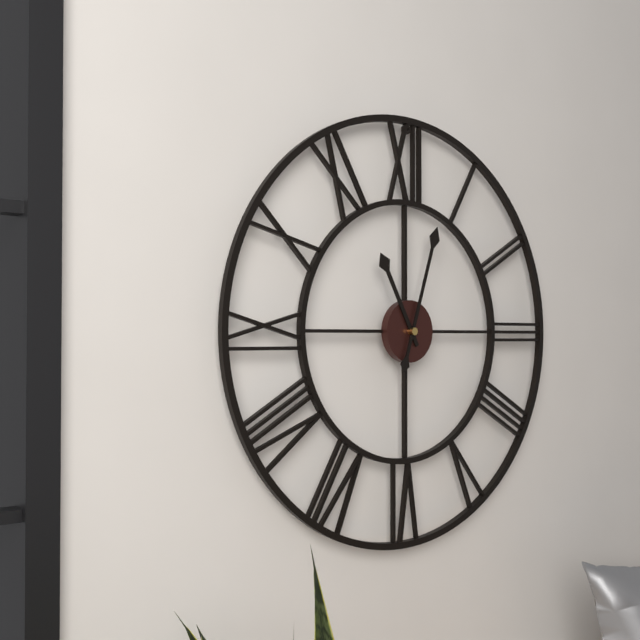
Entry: 11,03
